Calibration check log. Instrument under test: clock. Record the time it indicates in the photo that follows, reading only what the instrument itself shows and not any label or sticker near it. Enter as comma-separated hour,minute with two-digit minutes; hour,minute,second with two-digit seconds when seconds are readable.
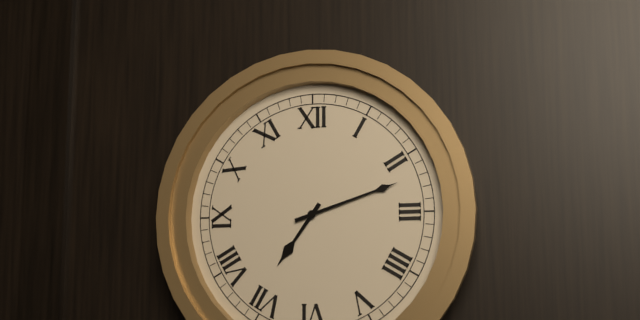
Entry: 7,12
